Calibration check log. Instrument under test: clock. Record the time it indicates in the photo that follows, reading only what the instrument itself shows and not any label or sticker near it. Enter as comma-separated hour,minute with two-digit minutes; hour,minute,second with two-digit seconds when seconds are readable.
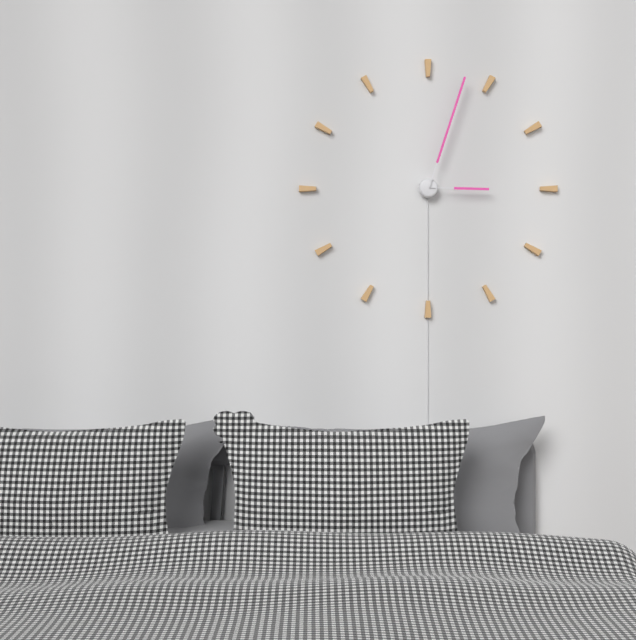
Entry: 3,03
